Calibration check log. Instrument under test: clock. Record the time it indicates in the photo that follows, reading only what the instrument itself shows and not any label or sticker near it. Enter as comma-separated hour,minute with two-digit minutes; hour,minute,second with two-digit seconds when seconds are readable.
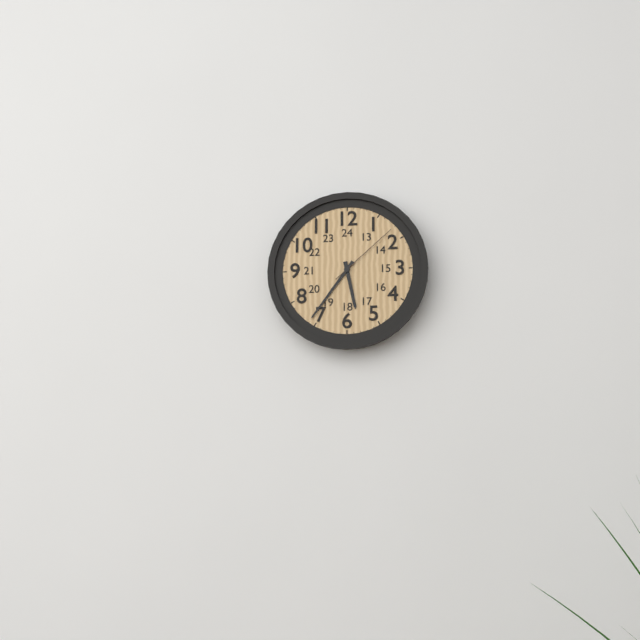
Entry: 5,36,08
